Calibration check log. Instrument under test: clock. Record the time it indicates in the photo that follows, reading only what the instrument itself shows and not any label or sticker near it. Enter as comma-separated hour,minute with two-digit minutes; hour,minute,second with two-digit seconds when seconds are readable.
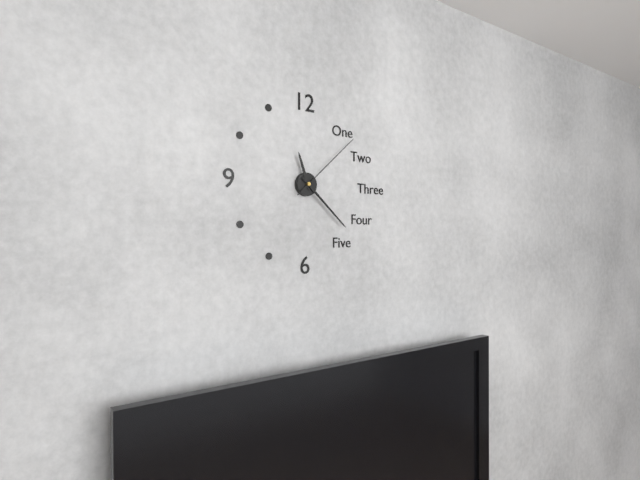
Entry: 11,22,08
